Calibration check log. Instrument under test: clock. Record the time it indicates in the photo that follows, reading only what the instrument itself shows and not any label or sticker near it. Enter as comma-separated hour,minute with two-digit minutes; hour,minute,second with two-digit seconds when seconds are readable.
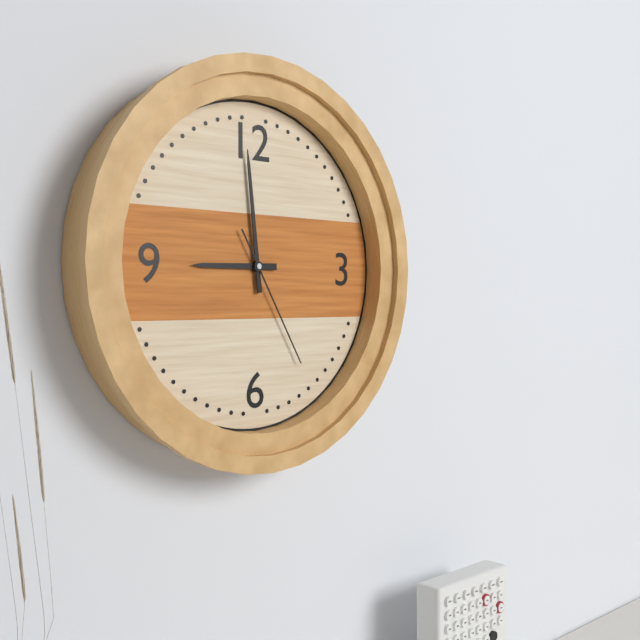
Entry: 8,59,25
